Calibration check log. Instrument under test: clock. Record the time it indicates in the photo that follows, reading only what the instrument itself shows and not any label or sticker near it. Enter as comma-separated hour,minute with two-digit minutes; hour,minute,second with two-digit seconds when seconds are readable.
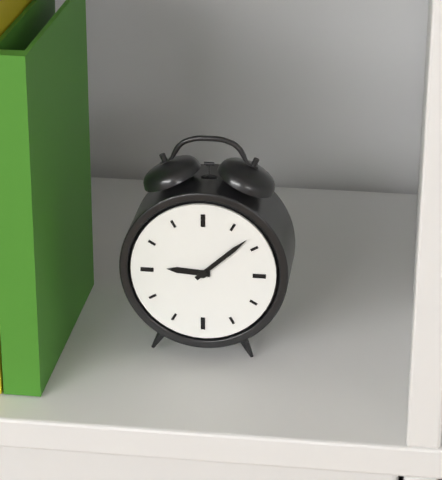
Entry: 9,08
